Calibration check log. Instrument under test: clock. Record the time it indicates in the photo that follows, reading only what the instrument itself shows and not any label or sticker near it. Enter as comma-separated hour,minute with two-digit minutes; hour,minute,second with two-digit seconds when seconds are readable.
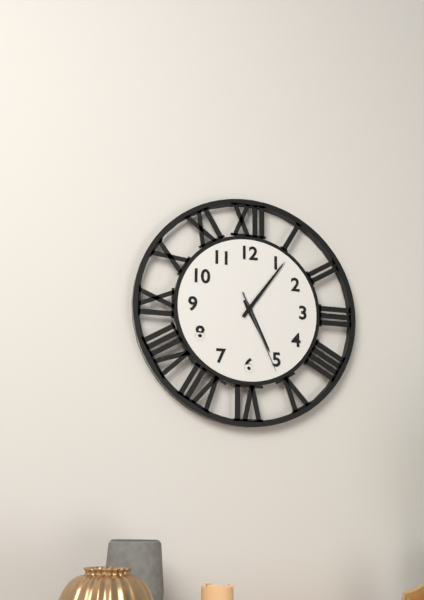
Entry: 5,06,26
